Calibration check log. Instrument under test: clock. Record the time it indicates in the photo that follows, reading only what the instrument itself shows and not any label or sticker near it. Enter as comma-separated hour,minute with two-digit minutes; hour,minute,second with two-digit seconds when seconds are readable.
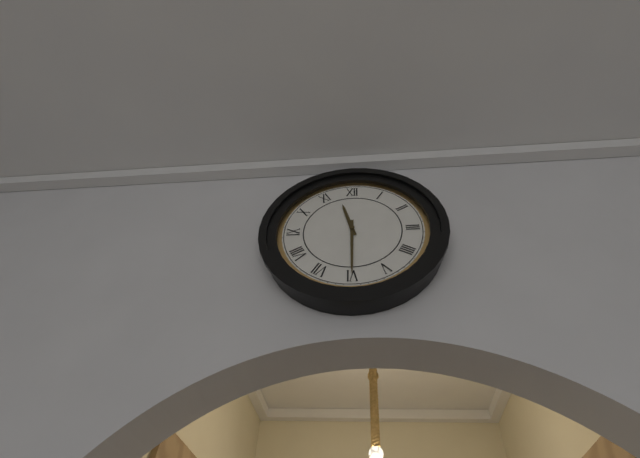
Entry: 11,30
